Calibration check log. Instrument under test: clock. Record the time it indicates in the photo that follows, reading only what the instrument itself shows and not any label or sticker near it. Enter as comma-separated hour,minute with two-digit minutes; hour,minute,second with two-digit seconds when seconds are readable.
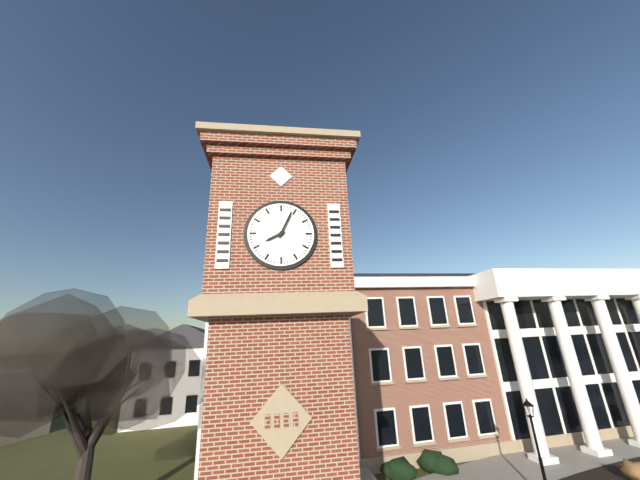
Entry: 8,04
